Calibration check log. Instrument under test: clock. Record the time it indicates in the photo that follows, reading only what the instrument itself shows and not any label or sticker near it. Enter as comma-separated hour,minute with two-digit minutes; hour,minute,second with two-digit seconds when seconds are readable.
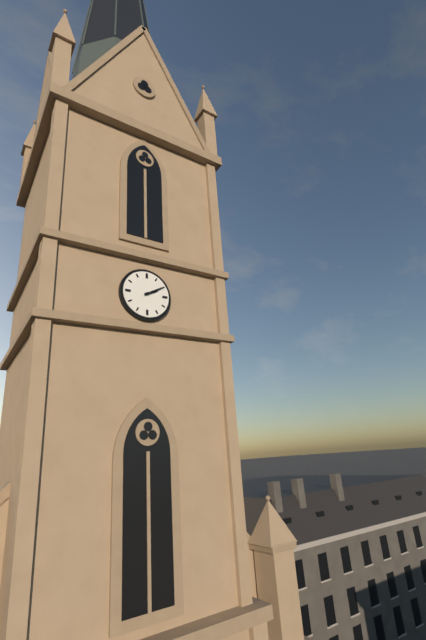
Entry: 2,10
